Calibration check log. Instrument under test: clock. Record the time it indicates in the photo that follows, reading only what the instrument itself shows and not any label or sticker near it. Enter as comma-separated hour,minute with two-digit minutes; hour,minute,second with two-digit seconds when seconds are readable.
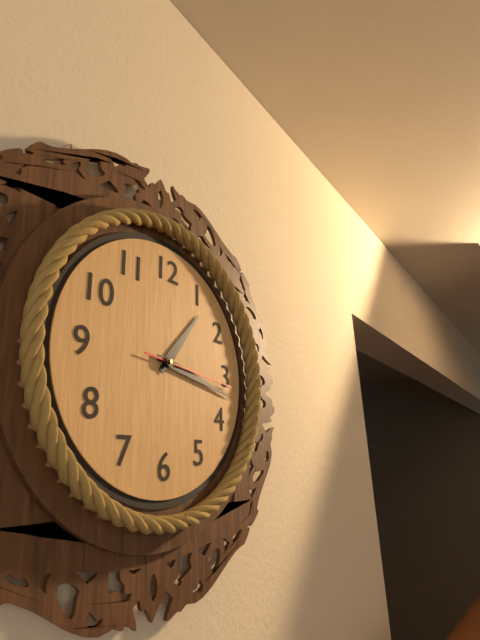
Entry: 1,17,16
